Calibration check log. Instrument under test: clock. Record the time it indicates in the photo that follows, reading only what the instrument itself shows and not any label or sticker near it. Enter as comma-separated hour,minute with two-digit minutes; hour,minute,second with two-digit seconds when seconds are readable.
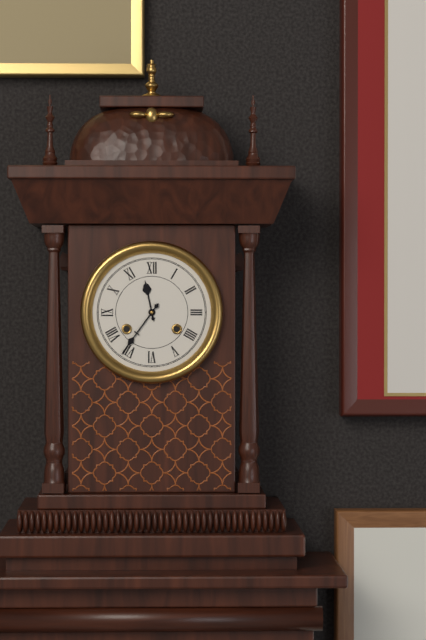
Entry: 11,36
